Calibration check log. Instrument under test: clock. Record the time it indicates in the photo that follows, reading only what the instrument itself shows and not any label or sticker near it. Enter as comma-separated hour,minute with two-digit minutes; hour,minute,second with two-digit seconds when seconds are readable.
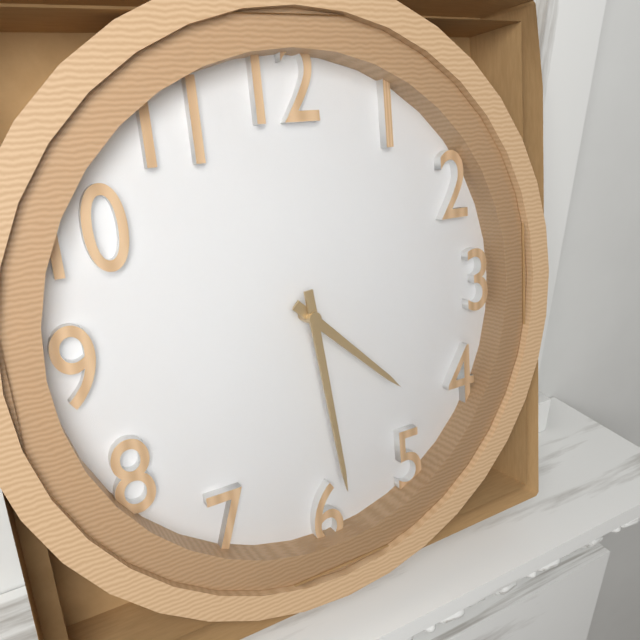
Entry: 4,29
